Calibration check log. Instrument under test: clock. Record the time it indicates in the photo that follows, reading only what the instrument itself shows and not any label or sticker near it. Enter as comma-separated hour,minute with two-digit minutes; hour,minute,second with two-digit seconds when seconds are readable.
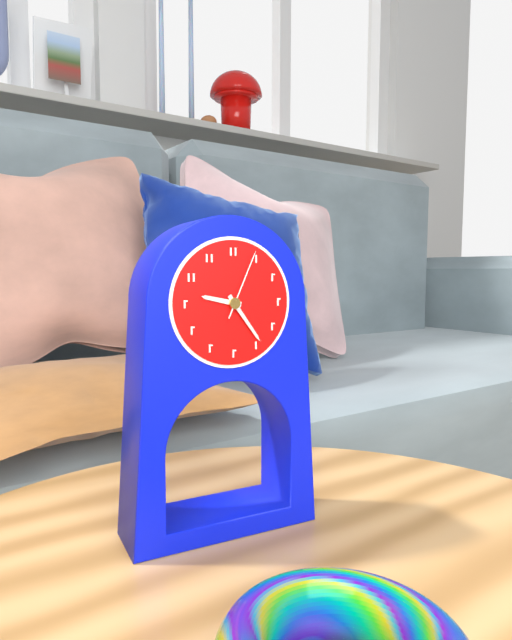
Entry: 9,24,04
